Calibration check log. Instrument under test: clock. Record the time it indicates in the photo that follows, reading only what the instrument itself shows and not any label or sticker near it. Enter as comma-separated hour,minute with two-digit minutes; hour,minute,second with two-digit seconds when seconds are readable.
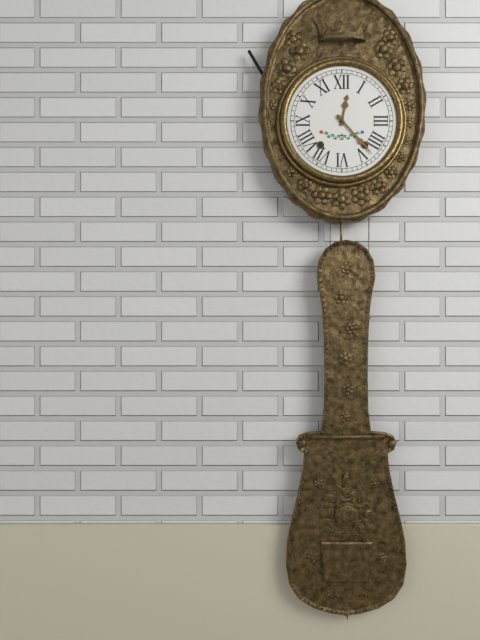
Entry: 12,23
